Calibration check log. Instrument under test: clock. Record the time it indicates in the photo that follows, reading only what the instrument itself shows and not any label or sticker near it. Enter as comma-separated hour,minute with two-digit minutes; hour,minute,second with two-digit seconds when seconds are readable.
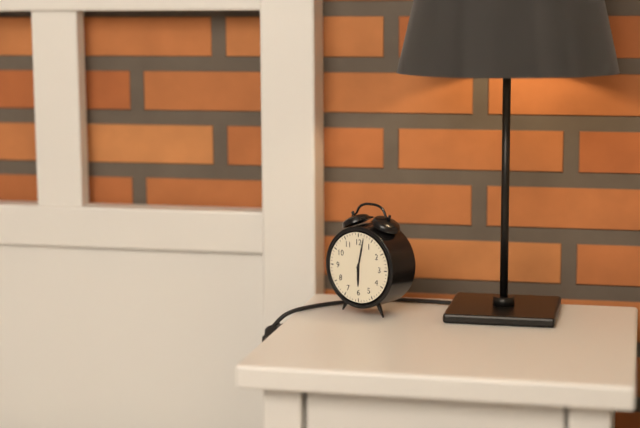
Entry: 6,02
